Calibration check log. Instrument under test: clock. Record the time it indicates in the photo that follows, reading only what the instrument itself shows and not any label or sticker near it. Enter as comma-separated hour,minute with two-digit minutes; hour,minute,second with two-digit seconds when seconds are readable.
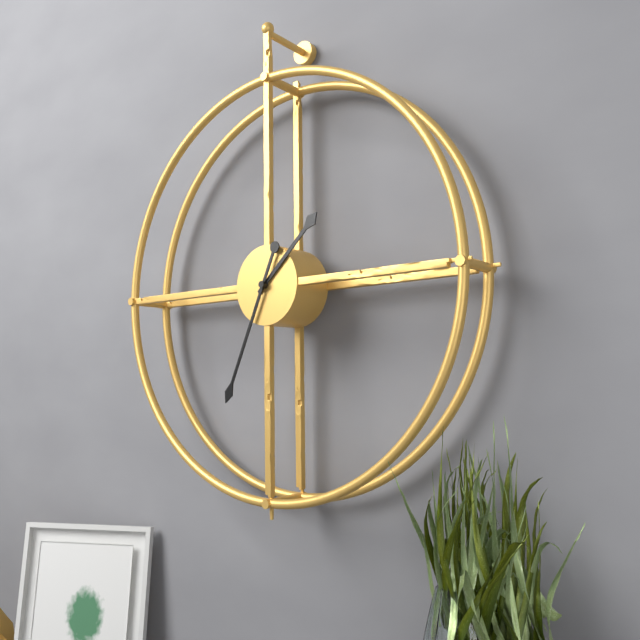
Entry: 1,34
